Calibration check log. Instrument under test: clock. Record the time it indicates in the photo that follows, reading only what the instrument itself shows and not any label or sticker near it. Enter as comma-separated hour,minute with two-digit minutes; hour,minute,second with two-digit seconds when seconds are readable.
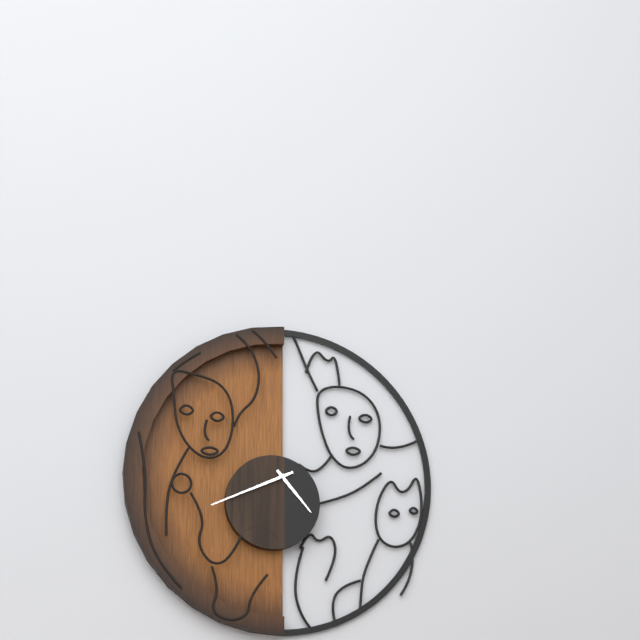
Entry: 4,41
